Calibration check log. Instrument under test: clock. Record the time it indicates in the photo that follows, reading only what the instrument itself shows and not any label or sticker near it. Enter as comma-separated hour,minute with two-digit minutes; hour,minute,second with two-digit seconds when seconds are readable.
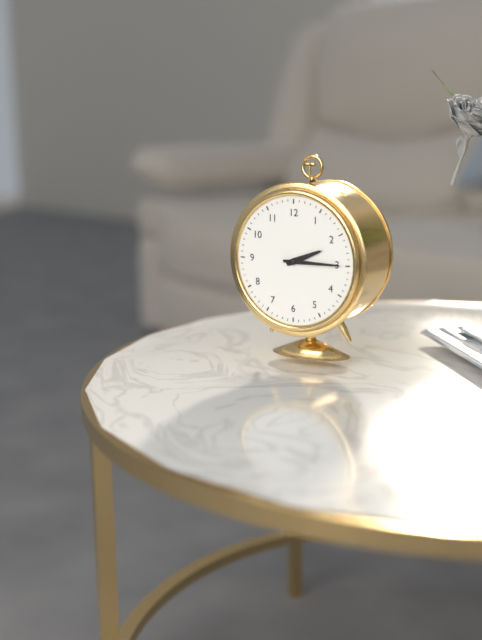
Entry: 2,15
